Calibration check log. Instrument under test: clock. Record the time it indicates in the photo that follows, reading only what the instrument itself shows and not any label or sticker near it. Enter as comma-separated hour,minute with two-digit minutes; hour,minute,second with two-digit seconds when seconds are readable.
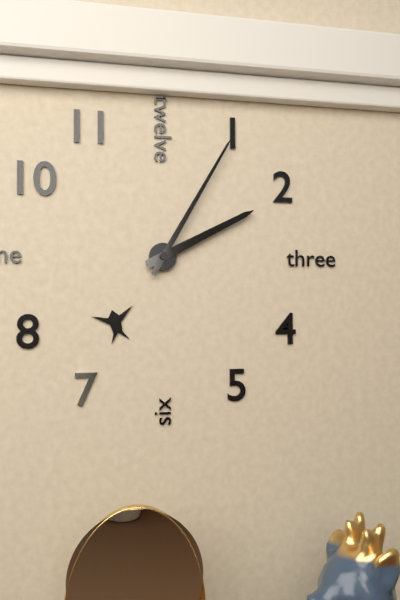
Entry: 2,05
